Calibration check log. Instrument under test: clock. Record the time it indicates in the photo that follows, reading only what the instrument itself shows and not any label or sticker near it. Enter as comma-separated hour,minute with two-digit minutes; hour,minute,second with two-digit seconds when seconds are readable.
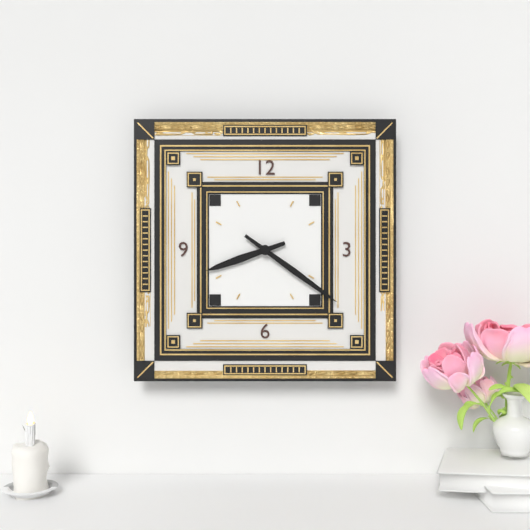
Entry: 8,21
